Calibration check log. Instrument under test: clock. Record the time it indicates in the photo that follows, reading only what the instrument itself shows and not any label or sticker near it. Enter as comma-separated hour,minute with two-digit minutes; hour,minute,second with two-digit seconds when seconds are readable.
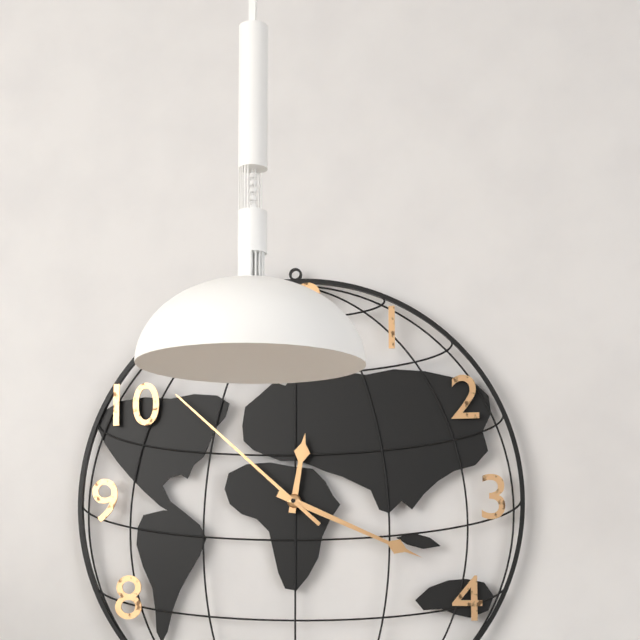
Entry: 12,19,52
